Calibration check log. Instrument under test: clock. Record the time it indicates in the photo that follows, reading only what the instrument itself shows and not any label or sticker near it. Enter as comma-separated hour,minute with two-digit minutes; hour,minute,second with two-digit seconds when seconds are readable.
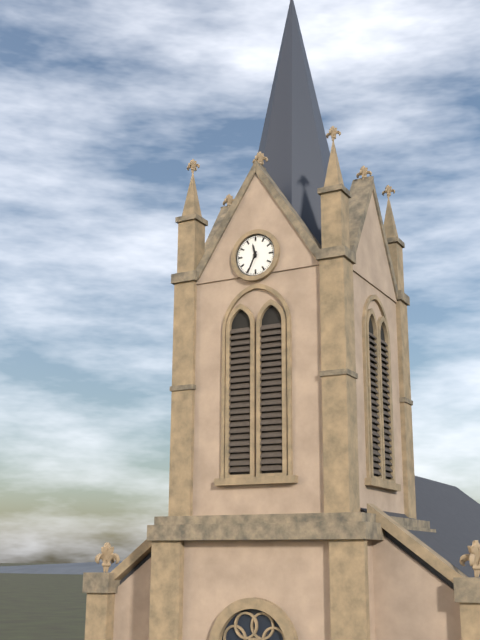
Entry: 11,34
